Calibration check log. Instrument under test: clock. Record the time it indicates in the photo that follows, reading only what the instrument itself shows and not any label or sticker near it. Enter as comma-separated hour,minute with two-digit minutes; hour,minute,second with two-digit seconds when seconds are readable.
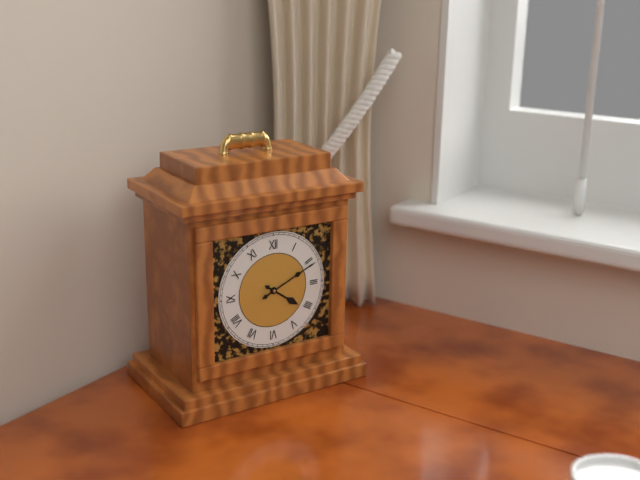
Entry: 4,11
